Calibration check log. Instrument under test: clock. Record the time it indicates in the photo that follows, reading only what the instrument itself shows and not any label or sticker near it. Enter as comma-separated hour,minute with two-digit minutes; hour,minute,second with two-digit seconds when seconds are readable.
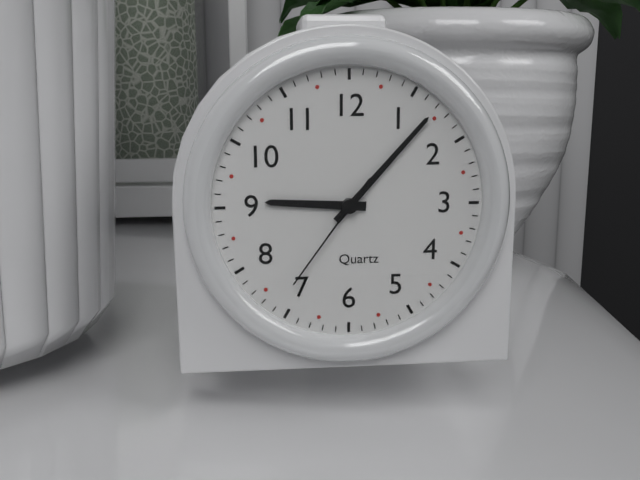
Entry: 9,07,36
